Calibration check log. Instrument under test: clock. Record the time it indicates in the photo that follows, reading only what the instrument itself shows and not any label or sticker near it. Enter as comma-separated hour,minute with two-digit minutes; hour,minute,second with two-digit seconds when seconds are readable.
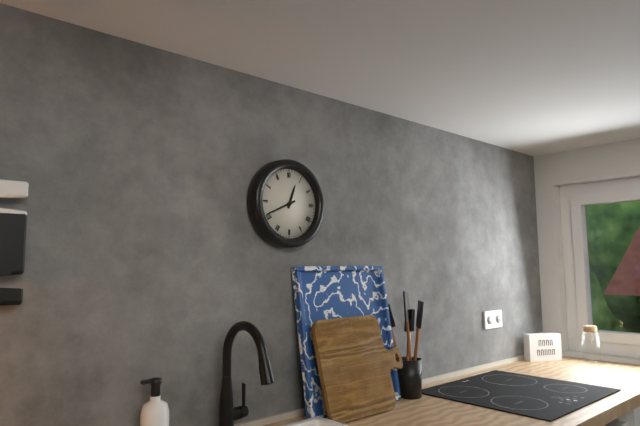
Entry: 12,41
